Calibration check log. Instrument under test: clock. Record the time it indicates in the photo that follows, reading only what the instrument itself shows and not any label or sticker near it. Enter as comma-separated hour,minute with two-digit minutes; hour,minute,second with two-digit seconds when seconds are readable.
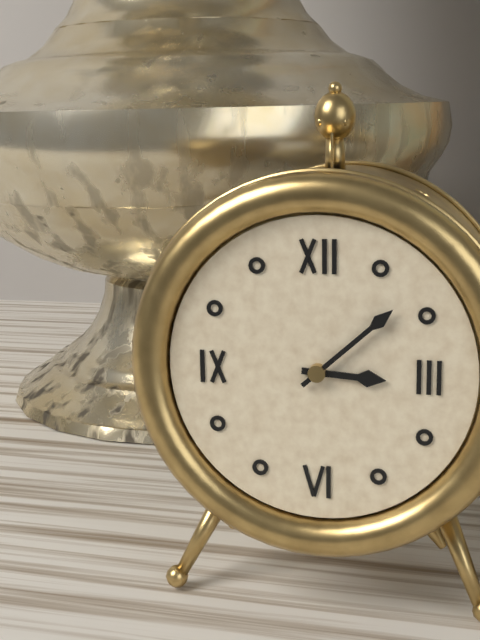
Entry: 3,08
